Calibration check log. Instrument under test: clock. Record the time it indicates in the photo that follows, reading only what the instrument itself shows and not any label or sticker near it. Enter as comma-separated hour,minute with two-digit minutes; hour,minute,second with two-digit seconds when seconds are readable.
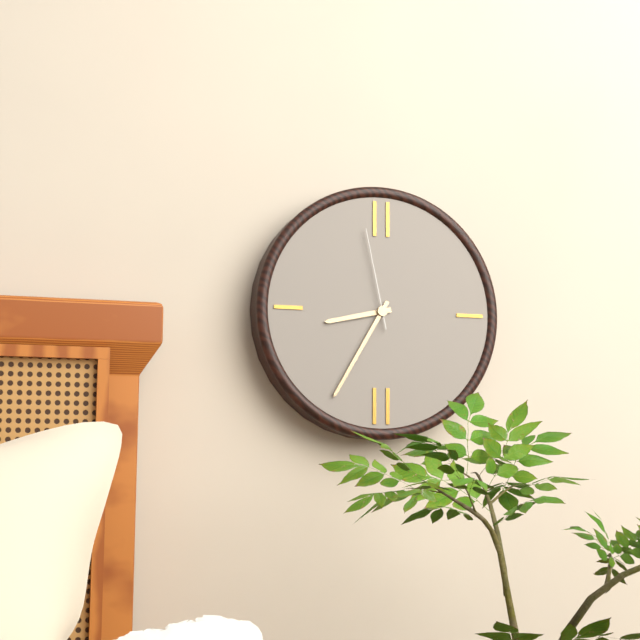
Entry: 8,35,58
